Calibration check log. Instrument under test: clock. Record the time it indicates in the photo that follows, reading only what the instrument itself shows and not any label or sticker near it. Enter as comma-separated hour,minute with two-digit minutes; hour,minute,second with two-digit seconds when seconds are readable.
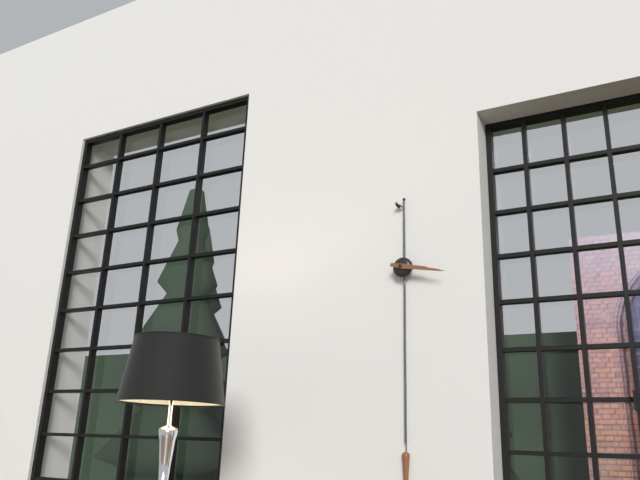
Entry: 3,17
